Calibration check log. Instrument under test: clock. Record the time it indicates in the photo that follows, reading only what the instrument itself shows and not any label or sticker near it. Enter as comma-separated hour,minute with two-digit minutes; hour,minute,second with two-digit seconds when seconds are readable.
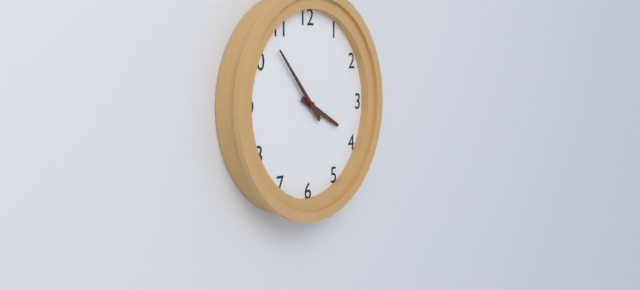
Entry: 3,53
